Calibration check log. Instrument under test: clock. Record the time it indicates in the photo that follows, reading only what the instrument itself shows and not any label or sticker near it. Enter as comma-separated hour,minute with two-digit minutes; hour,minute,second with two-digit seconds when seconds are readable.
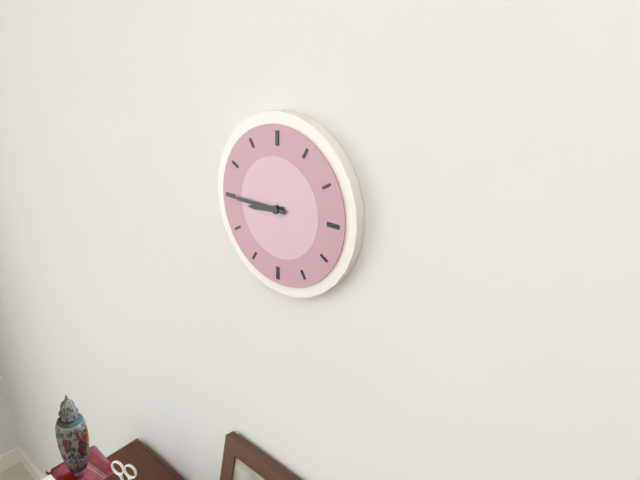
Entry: 8,45
